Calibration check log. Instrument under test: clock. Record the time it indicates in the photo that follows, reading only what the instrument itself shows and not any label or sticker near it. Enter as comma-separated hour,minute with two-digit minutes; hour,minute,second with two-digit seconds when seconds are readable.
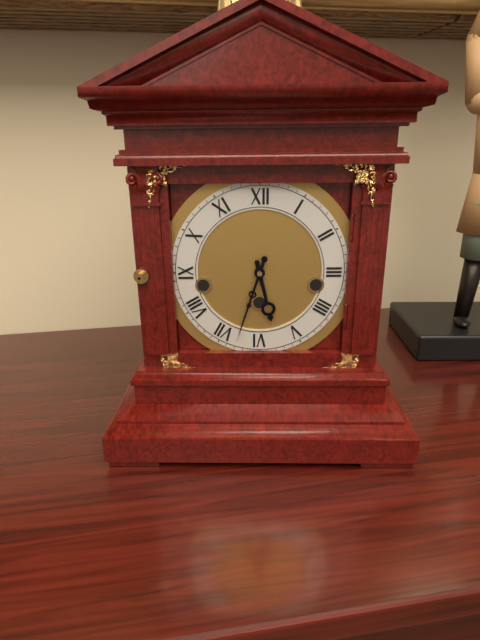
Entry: 5,33
